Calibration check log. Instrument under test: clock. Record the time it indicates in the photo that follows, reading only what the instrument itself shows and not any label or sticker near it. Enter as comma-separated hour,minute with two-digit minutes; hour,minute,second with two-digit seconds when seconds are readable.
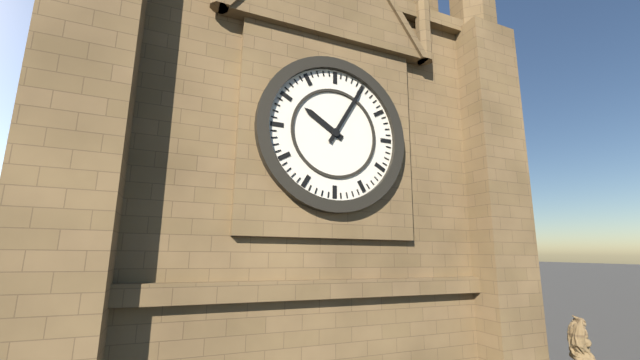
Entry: 10,05
